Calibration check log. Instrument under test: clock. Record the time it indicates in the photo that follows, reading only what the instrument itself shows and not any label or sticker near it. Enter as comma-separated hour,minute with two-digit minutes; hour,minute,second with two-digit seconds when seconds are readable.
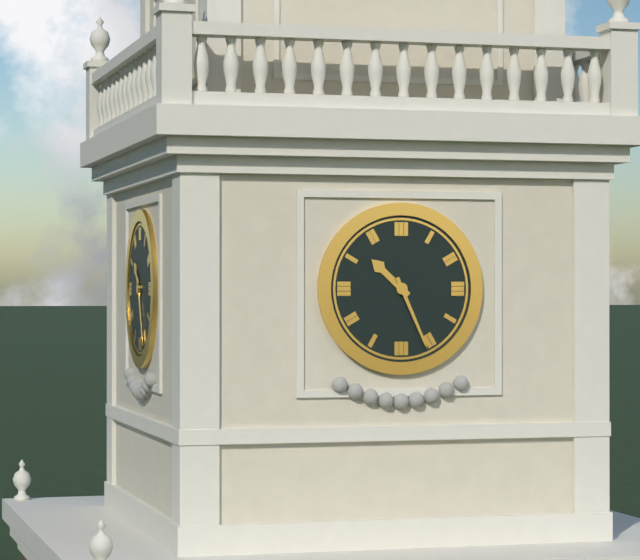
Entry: 10,26
